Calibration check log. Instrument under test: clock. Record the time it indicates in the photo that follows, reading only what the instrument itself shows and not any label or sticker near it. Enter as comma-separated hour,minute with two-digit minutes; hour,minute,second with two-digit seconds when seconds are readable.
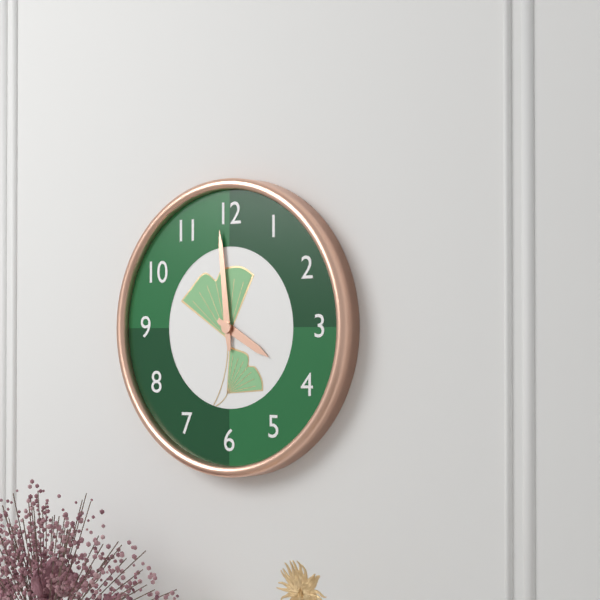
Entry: 3,59
